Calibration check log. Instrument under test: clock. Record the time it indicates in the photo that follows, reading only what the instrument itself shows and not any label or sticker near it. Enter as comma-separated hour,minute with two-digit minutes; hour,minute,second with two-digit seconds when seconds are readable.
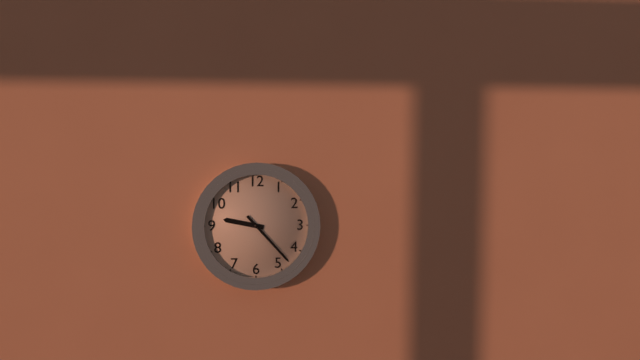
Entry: 9,23
